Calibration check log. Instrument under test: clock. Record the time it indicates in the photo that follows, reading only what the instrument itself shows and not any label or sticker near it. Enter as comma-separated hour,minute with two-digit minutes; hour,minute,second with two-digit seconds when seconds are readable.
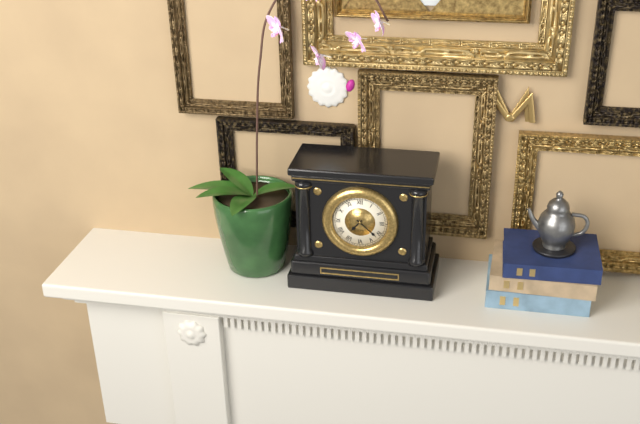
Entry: 7,22
